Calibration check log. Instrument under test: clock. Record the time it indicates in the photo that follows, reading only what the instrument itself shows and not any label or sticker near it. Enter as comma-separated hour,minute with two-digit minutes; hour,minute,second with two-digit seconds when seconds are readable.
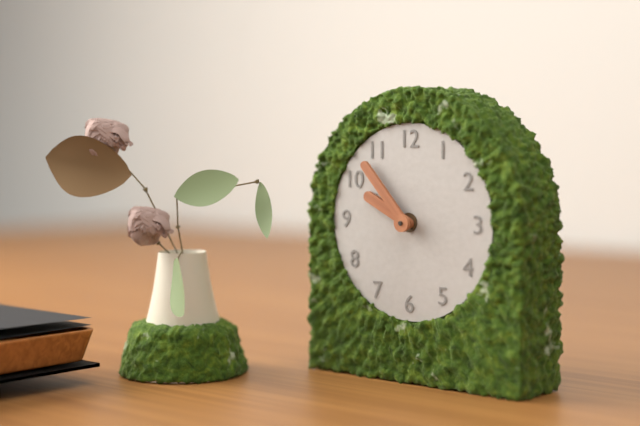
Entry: 9,53
